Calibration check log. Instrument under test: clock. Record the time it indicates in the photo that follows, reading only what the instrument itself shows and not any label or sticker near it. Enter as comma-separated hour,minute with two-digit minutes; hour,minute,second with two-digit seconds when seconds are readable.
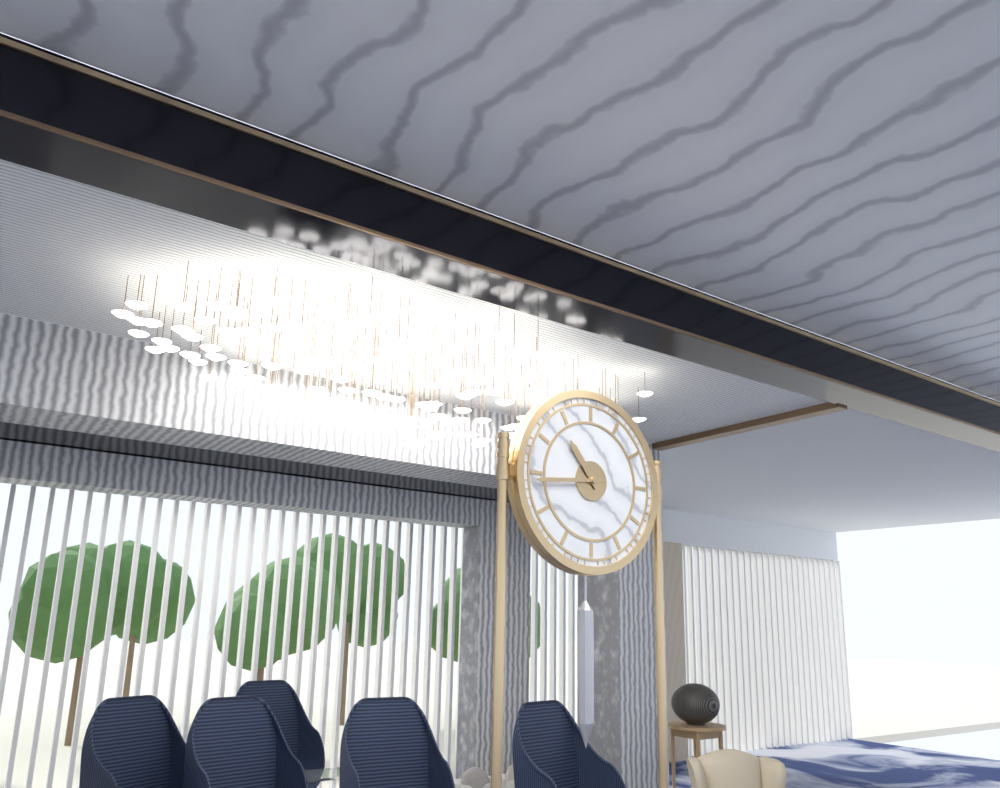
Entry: 10,44
